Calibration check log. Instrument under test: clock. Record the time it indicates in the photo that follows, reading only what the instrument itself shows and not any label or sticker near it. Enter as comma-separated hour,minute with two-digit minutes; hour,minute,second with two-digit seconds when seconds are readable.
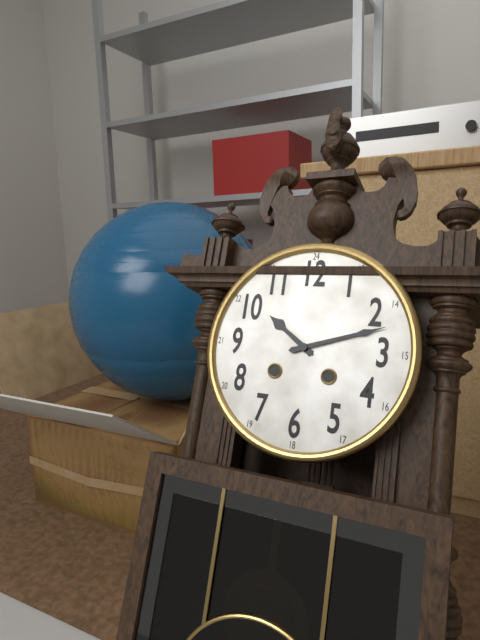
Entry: 10,12
